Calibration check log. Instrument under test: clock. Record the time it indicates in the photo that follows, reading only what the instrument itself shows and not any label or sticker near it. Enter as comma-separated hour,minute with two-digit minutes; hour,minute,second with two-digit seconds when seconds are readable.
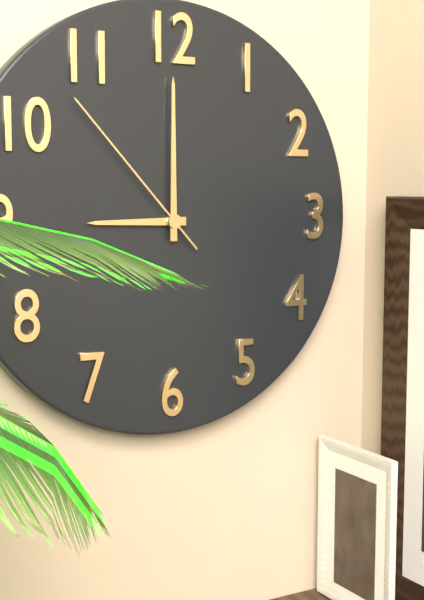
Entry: 9,00,53
